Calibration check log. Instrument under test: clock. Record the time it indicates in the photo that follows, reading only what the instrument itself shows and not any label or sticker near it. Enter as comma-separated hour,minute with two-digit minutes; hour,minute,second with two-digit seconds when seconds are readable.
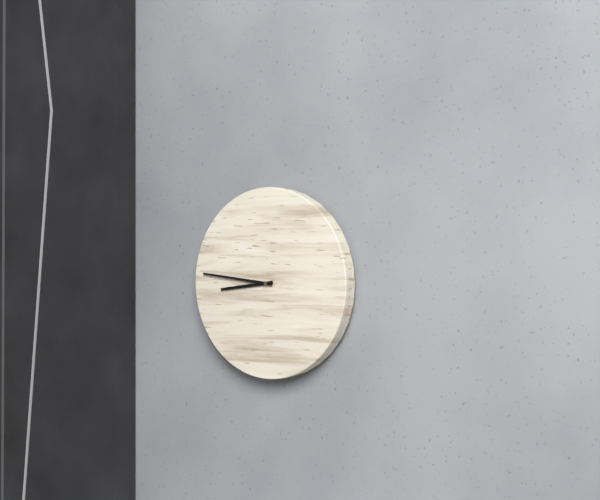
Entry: 8,46
